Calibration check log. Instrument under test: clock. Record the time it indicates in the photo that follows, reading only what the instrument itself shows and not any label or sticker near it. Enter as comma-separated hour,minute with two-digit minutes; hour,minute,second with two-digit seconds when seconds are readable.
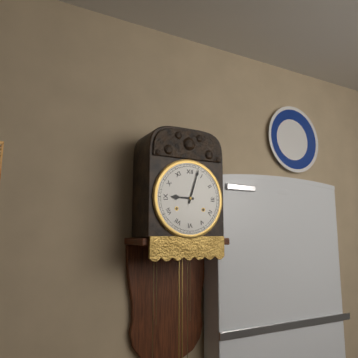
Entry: 9,03
